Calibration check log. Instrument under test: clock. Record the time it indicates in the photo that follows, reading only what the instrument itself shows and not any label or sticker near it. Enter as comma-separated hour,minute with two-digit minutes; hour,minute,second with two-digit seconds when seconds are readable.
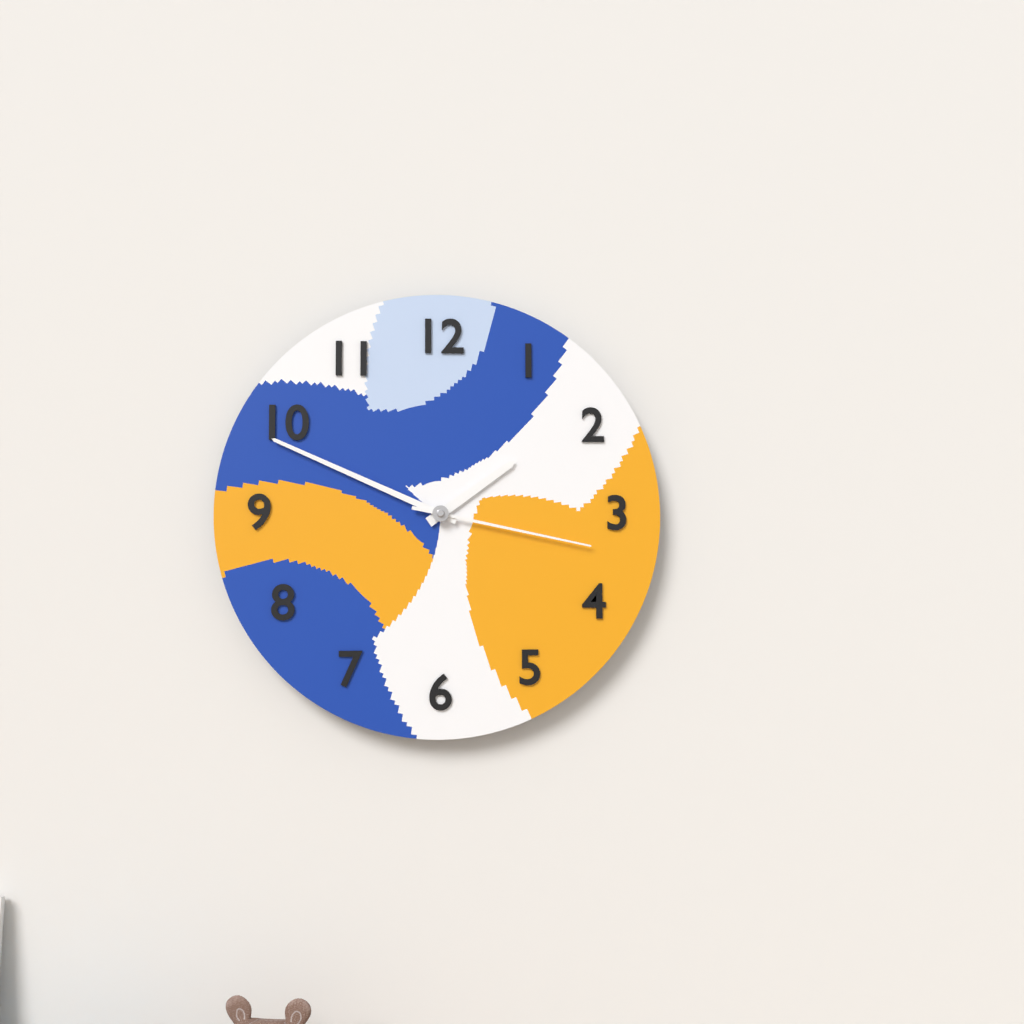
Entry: 1,49,17
